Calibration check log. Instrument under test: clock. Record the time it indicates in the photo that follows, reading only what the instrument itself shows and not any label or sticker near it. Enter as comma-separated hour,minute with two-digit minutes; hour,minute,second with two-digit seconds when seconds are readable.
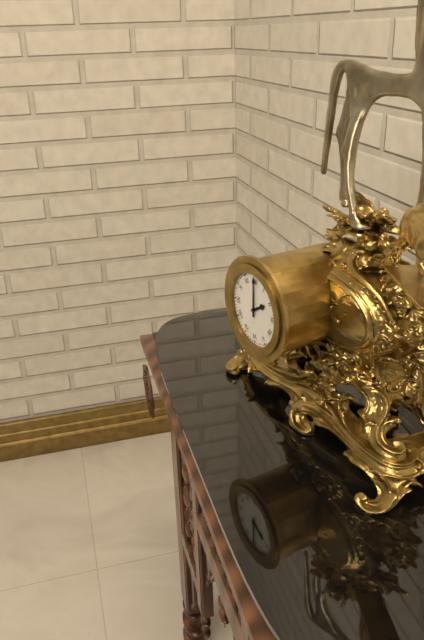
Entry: 2,00
